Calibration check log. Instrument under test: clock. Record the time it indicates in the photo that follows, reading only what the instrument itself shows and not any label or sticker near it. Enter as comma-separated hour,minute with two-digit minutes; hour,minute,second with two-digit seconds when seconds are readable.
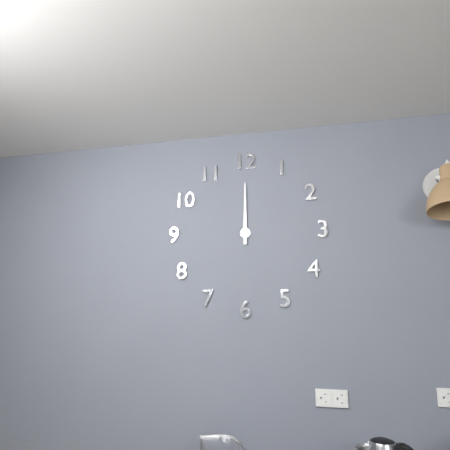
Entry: 12,00
